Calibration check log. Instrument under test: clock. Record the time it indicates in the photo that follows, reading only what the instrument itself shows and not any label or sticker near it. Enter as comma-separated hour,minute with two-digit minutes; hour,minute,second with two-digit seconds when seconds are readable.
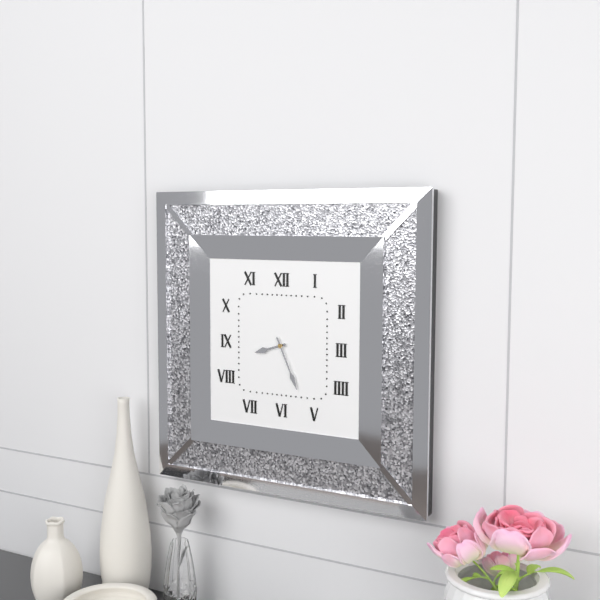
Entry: 8,26
